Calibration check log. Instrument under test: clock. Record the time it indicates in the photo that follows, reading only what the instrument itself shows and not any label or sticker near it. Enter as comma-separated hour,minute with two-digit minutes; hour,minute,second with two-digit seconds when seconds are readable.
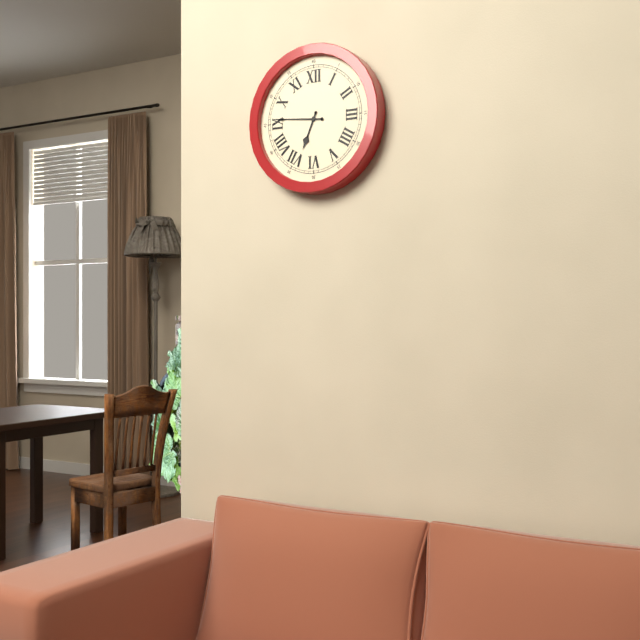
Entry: 6,46
